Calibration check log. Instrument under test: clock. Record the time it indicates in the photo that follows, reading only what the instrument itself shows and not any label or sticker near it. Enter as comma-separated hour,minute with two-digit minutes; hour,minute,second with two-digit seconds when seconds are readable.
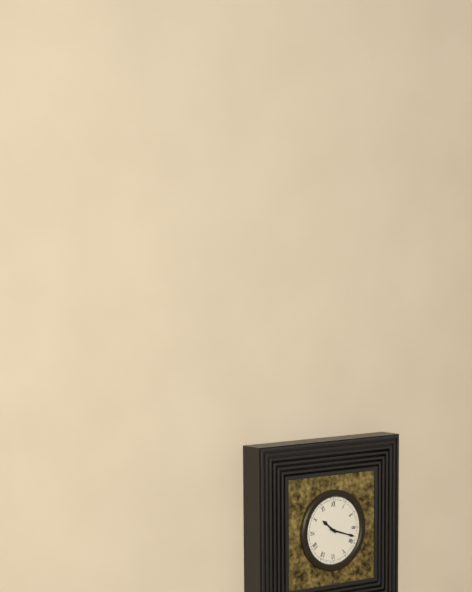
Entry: 10,18
